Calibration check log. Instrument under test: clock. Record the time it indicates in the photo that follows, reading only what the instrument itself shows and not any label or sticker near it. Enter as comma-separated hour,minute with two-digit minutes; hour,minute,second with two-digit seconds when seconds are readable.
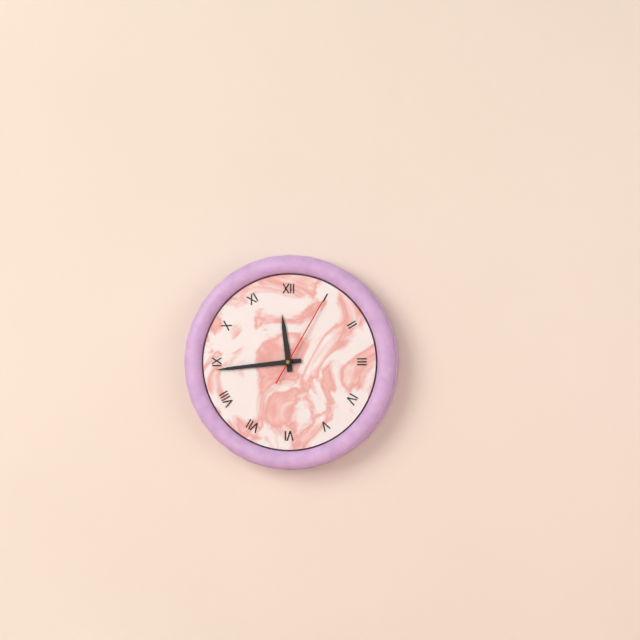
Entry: 11,44,05
